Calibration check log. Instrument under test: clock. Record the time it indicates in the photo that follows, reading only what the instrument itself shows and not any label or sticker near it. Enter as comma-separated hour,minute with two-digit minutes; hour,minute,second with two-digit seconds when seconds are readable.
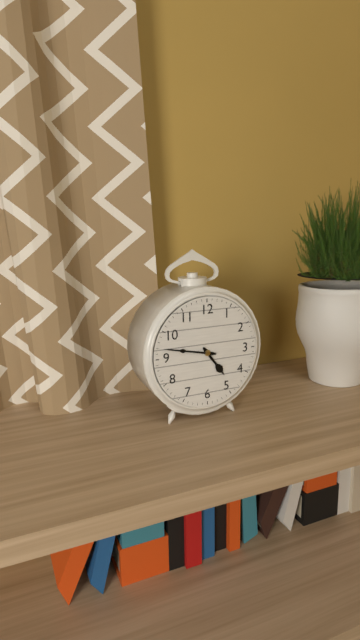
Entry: 4,47
